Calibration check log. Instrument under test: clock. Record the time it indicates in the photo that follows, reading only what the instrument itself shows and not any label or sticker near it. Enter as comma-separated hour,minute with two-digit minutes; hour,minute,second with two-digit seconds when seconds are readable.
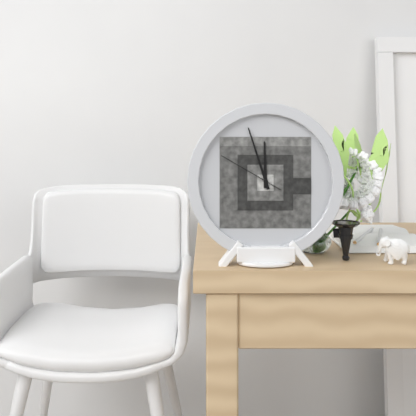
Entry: 11,57,50
